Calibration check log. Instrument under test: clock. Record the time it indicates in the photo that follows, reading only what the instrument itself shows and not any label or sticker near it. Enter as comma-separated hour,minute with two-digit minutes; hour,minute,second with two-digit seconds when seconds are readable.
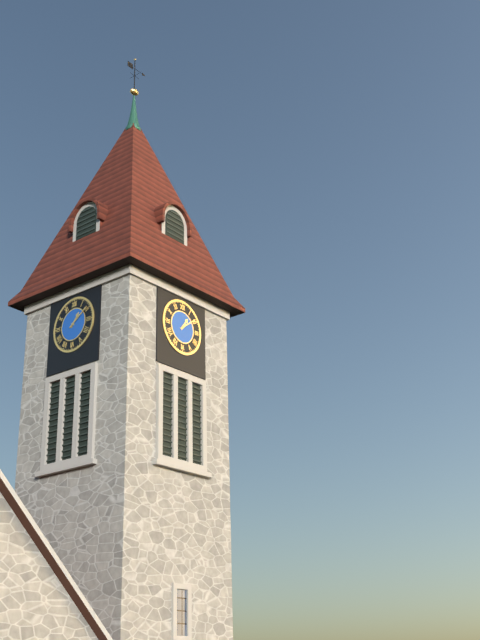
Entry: 1,09
